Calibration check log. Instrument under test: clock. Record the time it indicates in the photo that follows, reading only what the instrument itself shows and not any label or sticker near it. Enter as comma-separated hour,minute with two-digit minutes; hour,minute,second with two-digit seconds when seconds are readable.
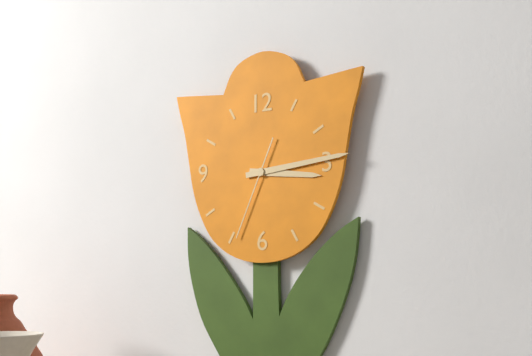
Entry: 3,14,34
